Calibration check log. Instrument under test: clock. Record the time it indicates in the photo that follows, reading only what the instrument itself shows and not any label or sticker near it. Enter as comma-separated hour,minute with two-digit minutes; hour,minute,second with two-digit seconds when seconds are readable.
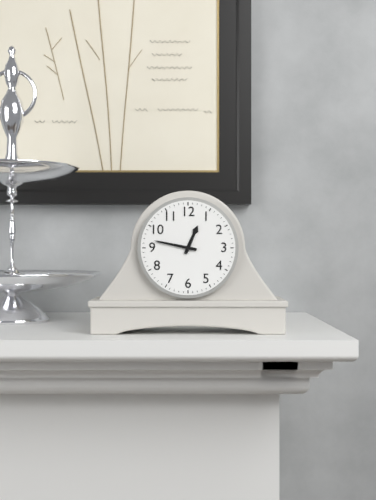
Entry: 12,47
